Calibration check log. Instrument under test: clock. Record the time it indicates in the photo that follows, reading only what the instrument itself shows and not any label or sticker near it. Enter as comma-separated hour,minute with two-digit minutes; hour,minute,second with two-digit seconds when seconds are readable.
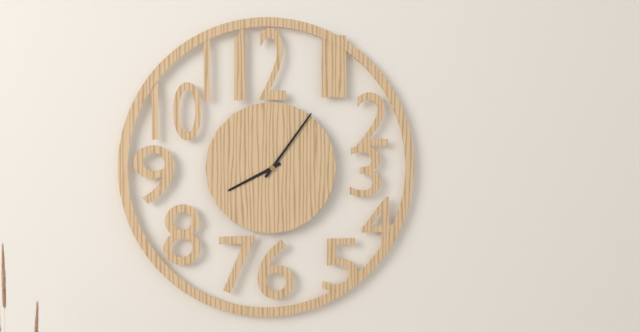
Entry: 8,06
